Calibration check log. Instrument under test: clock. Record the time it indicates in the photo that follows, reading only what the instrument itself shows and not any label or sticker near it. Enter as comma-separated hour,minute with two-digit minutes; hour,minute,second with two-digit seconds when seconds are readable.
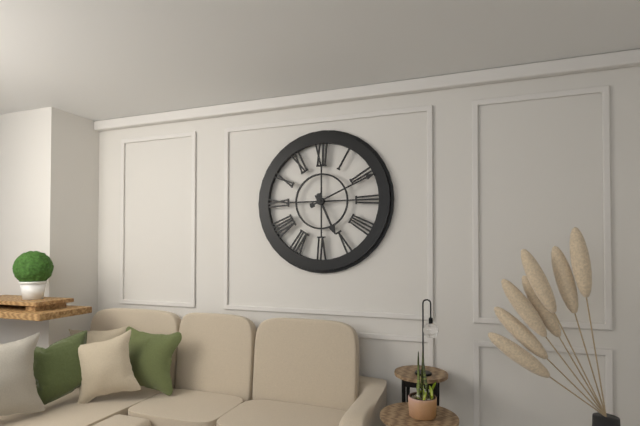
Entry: 5,11
